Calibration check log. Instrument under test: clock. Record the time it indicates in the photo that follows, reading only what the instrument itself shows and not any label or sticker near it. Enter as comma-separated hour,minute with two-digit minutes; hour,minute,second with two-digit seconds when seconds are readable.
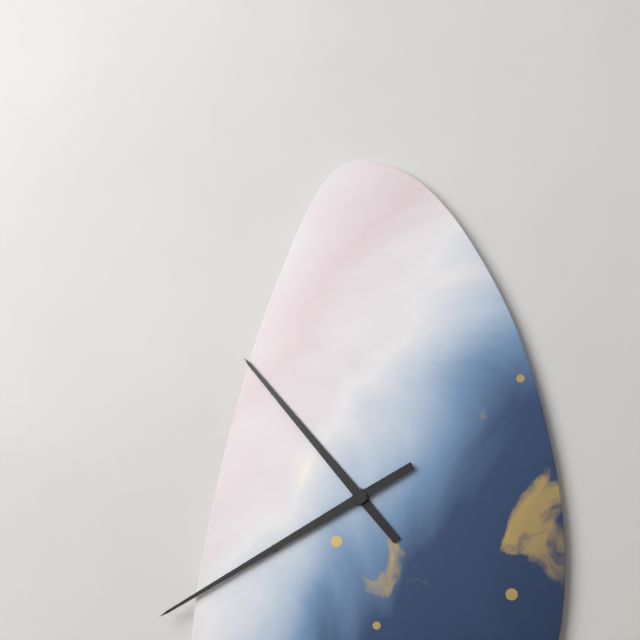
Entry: 10,40
